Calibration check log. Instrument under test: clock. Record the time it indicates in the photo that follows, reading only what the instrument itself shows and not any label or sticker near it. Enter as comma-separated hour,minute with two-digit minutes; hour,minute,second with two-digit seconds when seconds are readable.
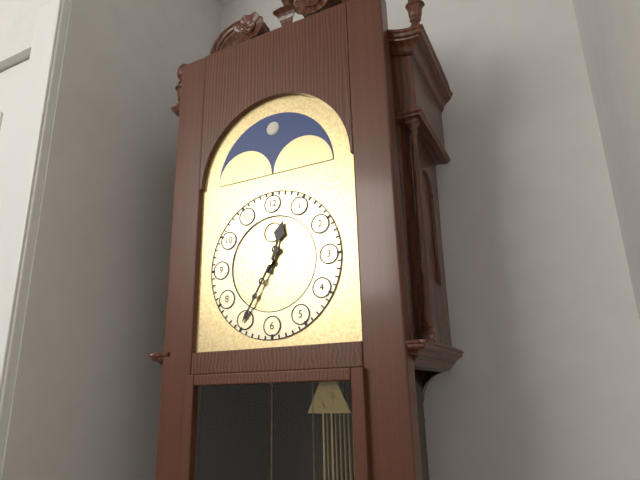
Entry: 12,35
